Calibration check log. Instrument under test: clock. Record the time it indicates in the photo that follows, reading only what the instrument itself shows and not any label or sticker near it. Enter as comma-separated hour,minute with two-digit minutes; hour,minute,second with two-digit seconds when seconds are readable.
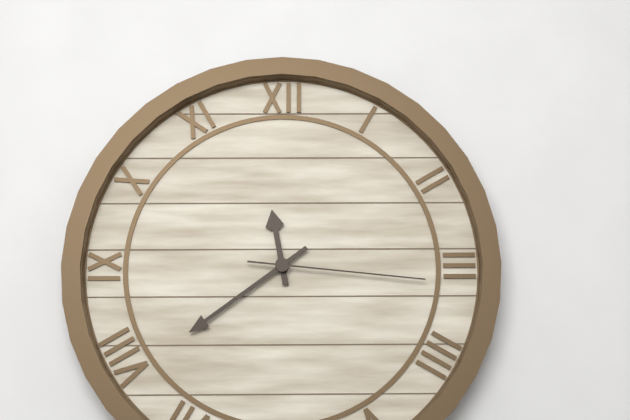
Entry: 11,39,16
